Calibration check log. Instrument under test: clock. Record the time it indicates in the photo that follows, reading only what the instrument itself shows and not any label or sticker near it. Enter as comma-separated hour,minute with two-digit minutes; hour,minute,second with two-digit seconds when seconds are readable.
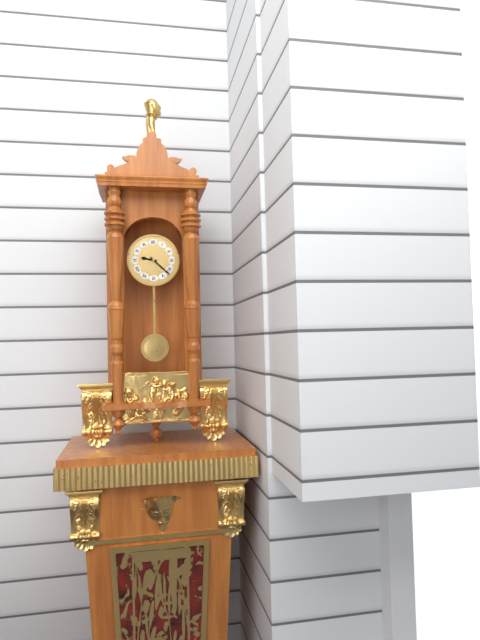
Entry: 9,22
